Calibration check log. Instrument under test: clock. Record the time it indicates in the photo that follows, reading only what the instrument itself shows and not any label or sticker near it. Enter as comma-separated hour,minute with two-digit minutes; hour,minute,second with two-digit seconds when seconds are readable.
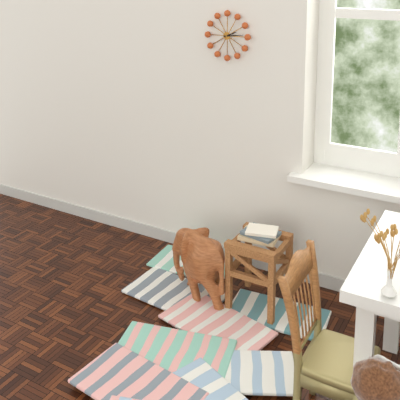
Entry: 2,14
